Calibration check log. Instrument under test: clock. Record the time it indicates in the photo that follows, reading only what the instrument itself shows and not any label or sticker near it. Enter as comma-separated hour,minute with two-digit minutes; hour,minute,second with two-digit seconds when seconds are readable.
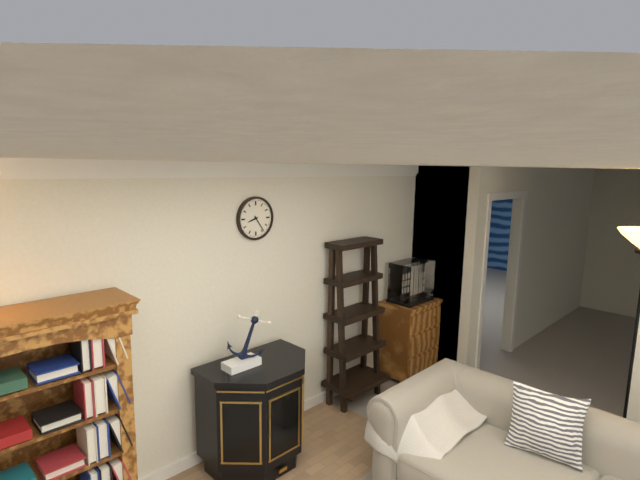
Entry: 8,24
